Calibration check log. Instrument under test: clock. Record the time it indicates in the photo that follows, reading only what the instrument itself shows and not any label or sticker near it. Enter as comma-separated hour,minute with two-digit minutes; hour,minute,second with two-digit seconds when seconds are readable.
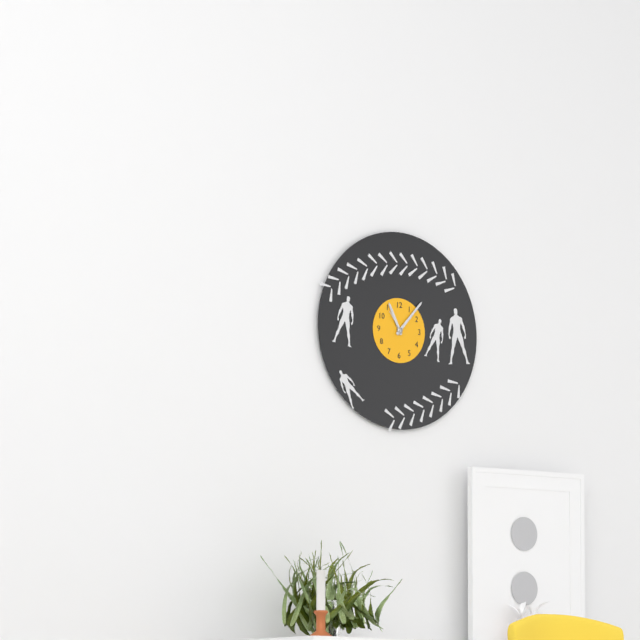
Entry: 11,07
